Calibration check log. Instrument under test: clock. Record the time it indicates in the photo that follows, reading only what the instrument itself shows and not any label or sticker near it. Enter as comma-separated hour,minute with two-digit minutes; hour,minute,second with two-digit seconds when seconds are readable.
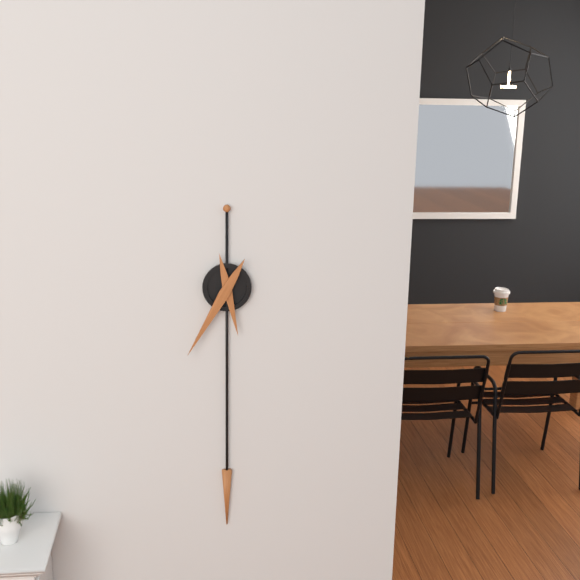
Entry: 5,35
